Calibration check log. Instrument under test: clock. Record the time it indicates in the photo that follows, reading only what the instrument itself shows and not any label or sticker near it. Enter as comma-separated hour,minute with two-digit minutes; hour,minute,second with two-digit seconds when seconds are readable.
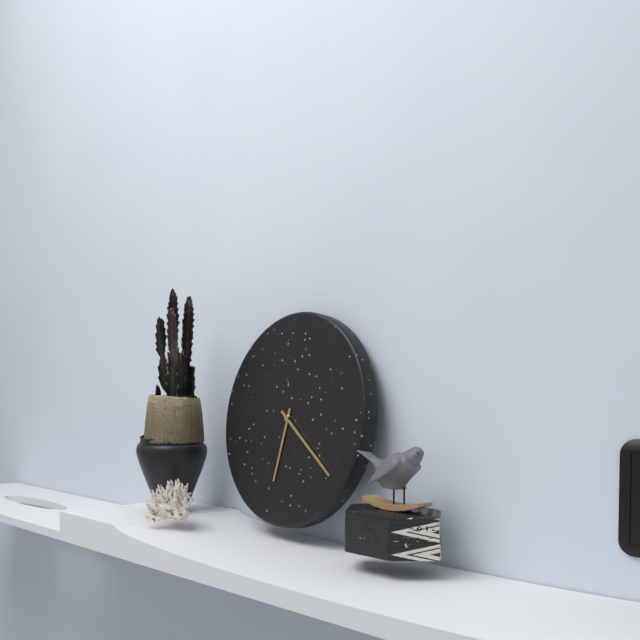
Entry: 6,21
